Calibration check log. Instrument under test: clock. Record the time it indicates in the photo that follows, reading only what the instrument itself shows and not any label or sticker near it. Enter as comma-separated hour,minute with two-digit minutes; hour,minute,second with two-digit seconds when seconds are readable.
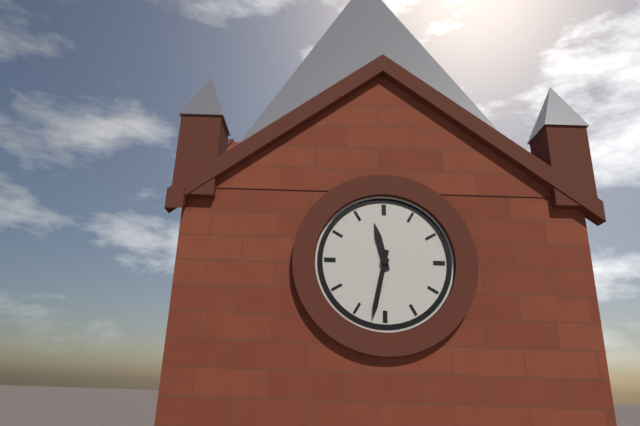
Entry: 11,32
